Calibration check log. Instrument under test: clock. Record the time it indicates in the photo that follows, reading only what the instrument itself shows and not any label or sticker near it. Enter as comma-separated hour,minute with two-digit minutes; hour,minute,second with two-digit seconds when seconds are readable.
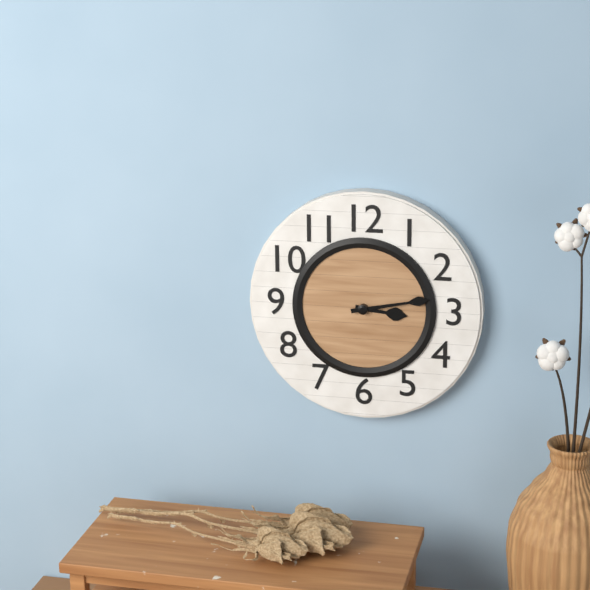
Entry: 3,13
